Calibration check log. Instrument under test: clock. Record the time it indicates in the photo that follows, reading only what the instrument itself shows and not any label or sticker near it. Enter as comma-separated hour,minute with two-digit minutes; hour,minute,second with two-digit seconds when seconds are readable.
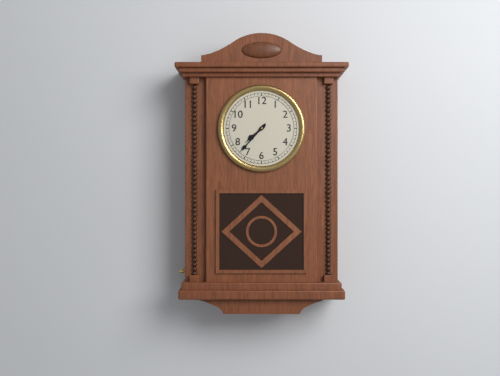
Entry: 7,37
